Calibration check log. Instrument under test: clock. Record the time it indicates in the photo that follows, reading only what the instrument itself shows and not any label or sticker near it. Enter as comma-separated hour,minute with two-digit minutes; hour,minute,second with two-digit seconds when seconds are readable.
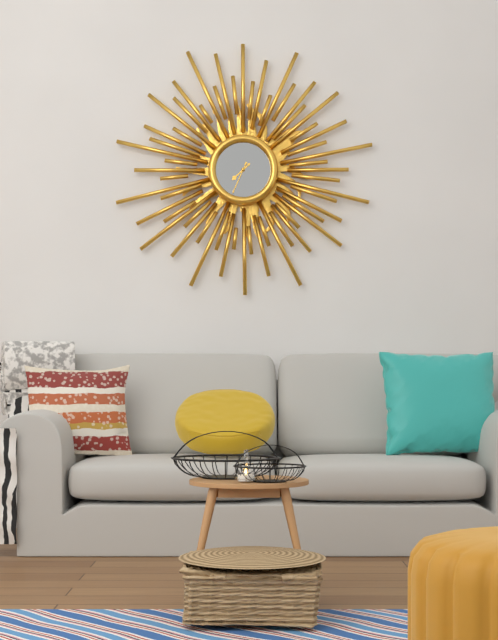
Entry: 7,34
